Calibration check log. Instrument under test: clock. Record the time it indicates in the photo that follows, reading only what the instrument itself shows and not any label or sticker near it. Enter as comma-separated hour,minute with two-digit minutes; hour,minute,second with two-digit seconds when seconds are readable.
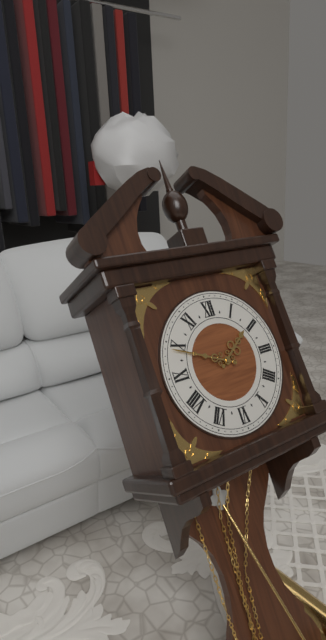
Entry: 1,49
